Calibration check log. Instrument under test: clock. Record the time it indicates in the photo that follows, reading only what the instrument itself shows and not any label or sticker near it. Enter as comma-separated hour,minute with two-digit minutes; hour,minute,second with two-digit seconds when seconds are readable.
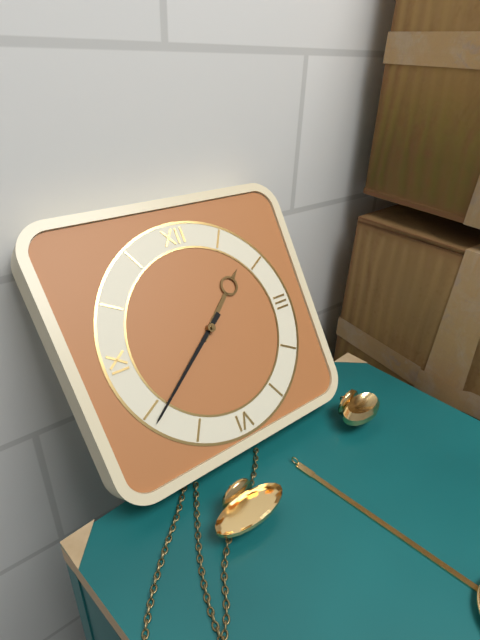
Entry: 1,39
